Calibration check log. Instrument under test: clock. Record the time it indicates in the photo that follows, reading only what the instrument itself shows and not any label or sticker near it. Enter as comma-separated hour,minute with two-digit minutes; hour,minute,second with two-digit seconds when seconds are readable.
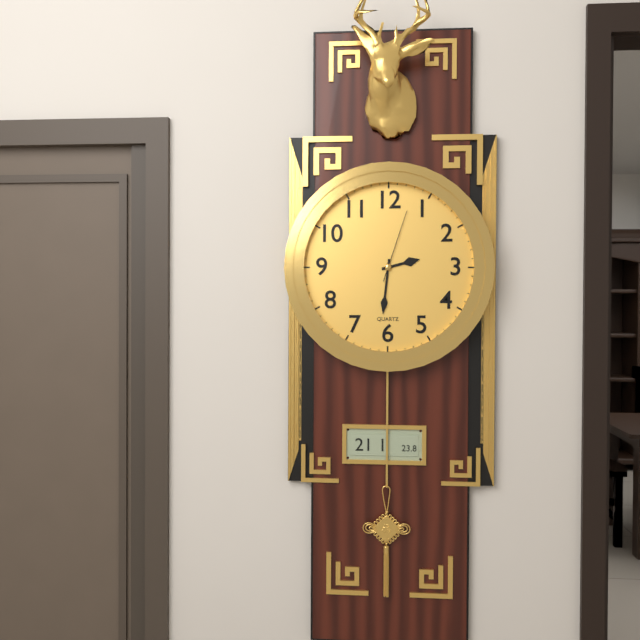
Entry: 2,31,03
